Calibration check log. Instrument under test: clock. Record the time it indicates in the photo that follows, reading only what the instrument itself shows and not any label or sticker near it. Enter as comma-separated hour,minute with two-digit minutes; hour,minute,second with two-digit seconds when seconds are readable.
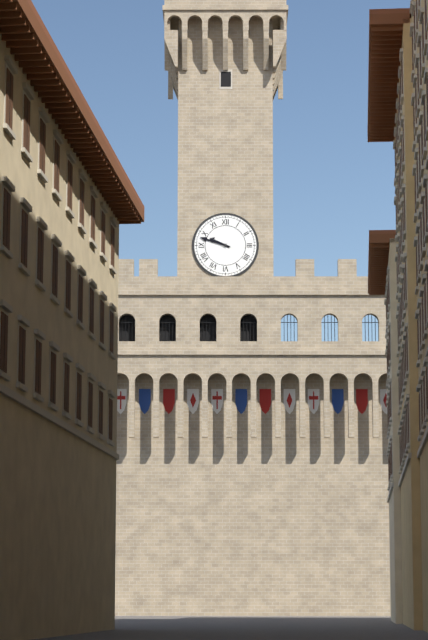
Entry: 9,48
